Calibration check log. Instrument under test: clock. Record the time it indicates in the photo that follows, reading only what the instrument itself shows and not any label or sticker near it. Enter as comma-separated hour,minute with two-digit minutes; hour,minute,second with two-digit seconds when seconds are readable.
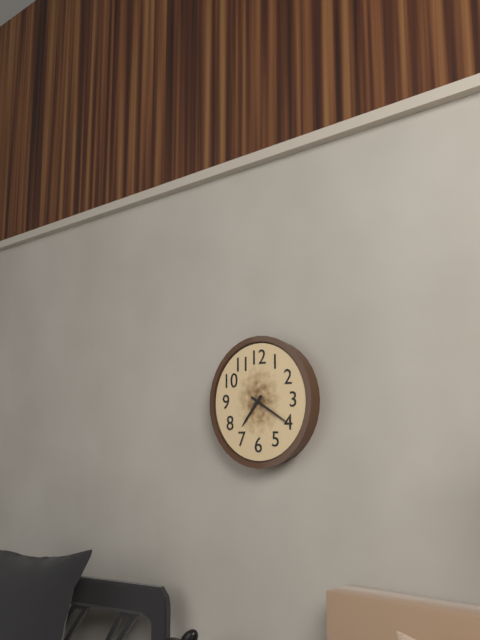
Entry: 7,20
